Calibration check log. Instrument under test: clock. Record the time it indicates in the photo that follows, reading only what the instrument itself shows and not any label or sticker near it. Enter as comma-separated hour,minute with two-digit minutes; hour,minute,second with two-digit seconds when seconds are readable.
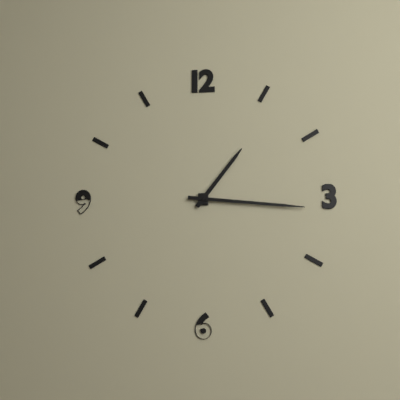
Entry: 1,16
